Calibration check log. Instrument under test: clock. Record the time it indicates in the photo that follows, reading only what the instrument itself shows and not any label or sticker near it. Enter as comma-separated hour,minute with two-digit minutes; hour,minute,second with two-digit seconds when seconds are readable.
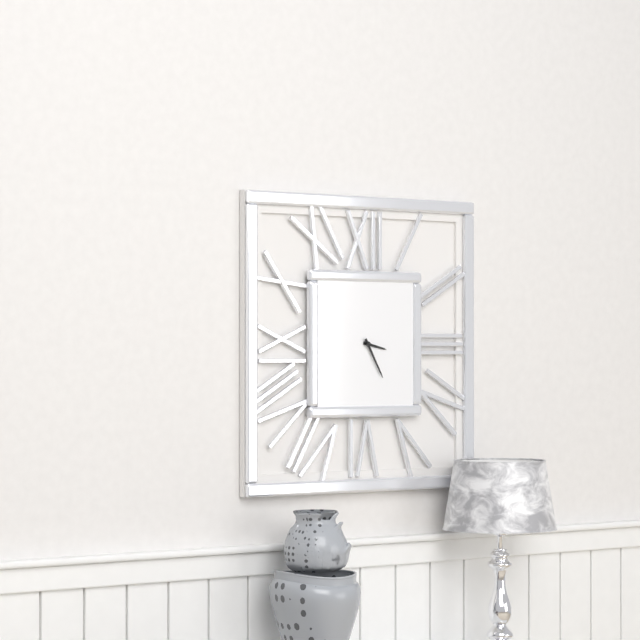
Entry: 3,25
